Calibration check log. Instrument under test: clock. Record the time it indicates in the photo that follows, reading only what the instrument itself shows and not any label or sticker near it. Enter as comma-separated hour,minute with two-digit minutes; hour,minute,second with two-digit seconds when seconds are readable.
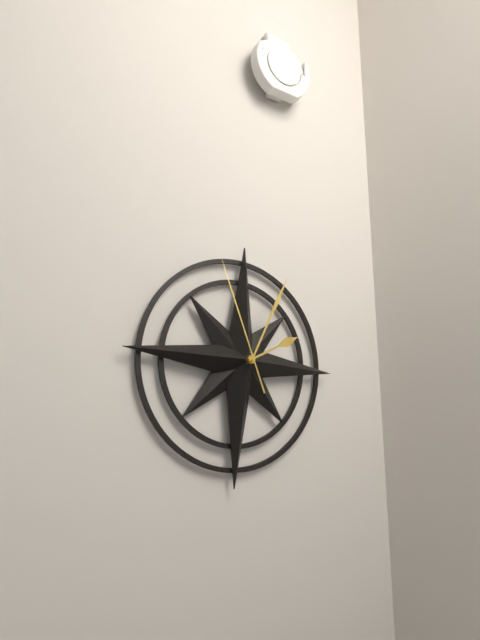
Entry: 2,04,56
